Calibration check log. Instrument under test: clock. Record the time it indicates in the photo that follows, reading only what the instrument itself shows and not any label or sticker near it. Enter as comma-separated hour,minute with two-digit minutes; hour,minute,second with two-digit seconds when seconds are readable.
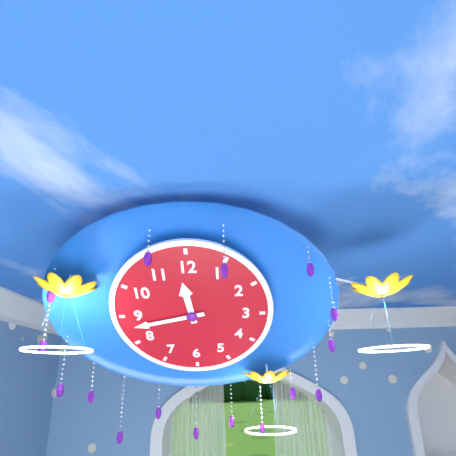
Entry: 11,43
